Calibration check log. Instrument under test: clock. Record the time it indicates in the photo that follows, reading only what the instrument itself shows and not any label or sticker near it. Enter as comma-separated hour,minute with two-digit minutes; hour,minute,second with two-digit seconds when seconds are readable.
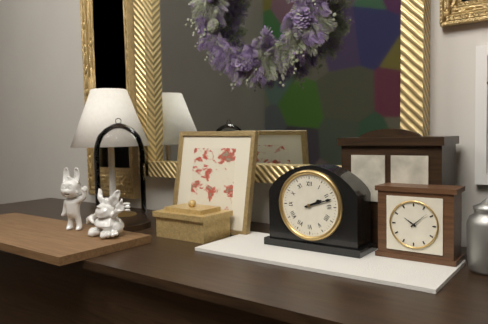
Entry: 2,12
